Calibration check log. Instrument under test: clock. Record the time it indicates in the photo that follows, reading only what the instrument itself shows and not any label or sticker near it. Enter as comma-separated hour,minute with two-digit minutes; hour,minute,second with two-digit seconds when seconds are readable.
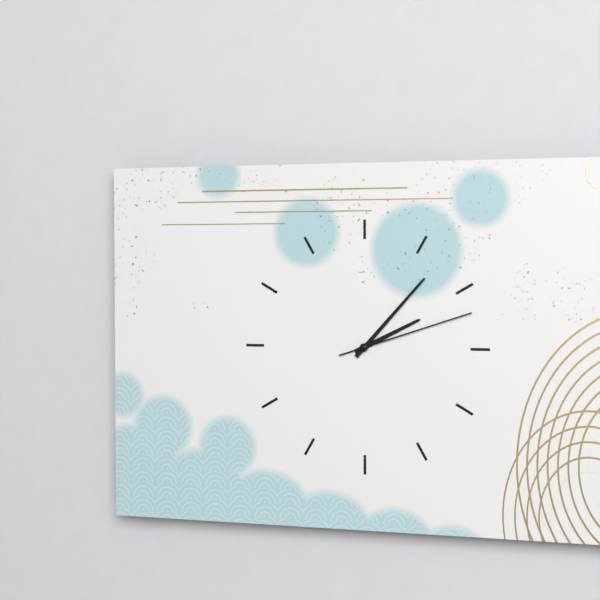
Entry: 2,07,12
